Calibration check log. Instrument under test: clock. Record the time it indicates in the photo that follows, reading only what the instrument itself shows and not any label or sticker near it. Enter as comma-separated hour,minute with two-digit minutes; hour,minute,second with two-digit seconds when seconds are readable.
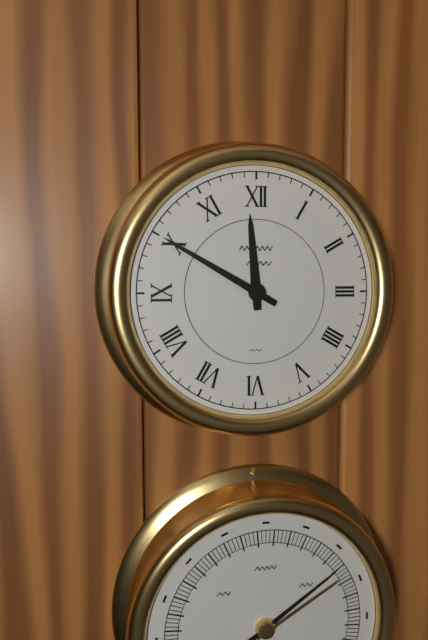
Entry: 11,50
